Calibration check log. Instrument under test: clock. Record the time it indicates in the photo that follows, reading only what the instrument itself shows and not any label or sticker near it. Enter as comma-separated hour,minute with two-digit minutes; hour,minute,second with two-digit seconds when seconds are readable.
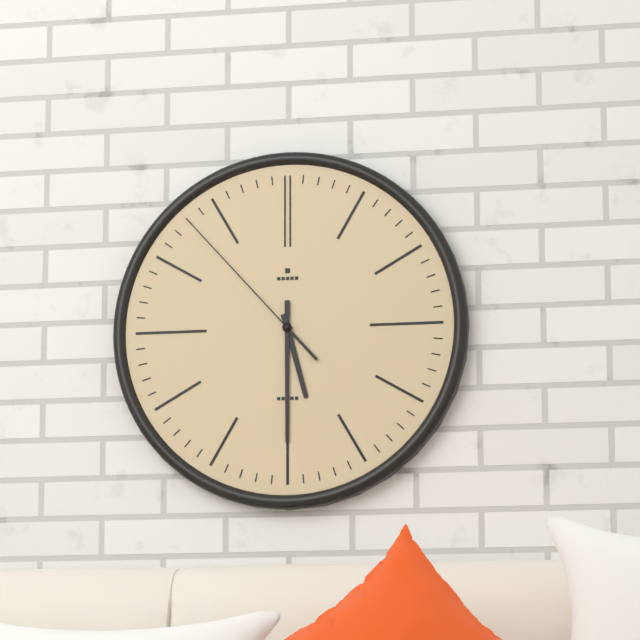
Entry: 5,30,53
